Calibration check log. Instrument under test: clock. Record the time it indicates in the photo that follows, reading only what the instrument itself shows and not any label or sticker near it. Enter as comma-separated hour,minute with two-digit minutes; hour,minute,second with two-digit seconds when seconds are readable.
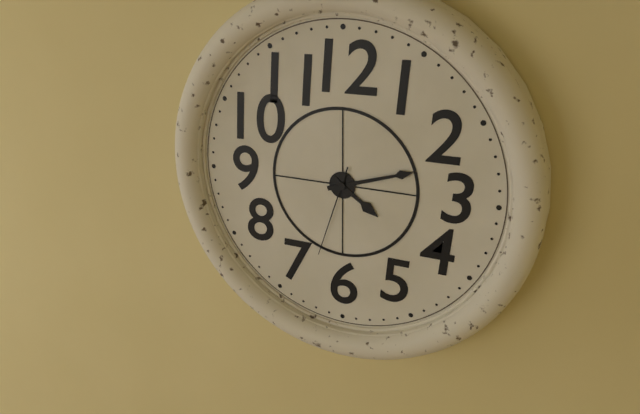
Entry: 4,12,33
